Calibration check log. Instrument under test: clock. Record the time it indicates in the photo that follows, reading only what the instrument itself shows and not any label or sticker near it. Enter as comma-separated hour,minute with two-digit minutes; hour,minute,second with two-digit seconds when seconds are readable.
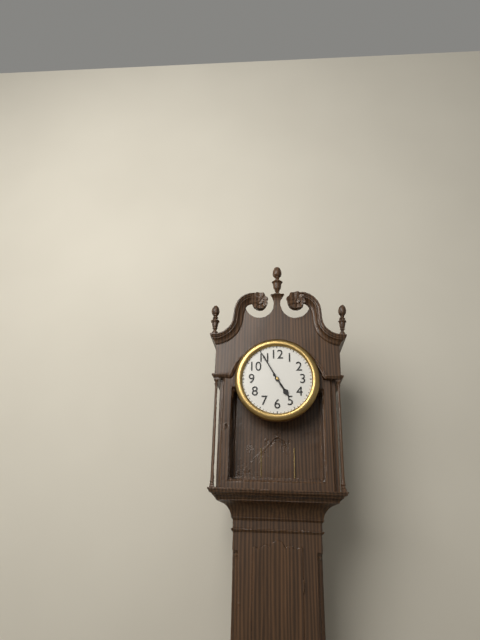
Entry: 4,55
